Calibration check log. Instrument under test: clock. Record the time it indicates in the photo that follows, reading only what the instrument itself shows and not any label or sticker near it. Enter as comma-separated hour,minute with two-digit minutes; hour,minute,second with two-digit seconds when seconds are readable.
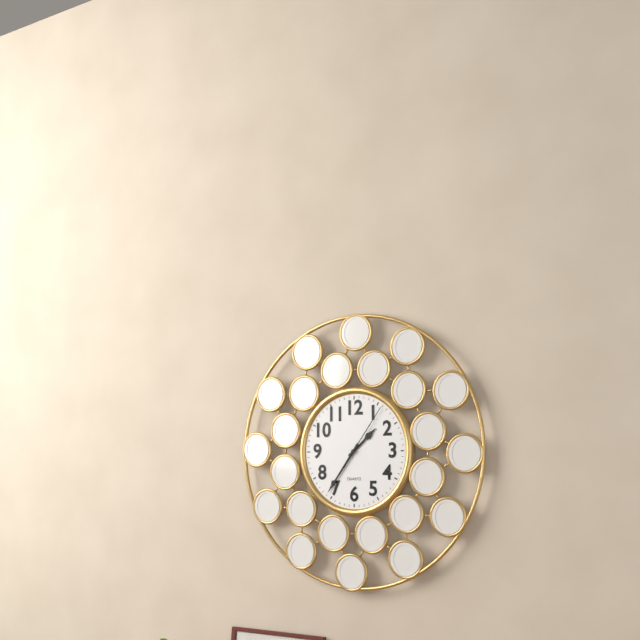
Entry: 1,36,06
